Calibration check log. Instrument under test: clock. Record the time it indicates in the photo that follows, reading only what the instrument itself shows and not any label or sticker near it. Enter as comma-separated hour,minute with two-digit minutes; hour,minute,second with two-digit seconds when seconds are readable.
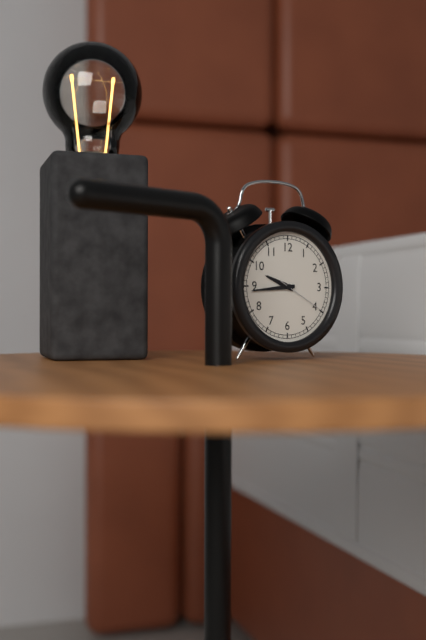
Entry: 9,44,20
